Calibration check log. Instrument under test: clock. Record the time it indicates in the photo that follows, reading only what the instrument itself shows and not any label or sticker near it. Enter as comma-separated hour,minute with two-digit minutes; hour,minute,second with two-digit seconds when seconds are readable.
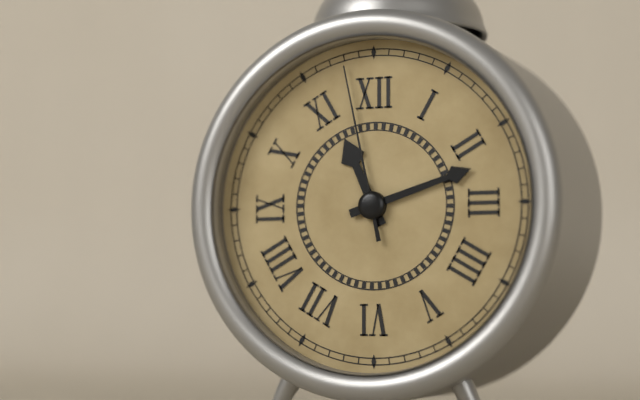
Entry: 11,12,58
